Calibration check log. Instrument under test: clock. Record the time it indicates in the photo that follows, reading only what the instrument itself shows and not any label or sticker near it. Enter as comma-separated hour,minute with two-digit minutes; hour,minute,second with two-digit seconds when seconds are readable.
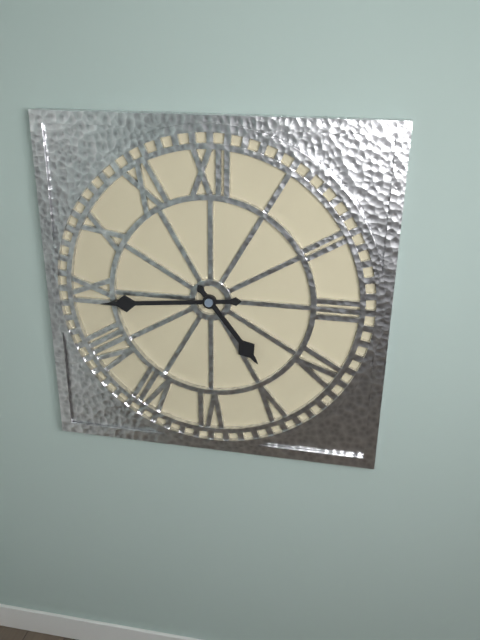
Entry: 4,44
